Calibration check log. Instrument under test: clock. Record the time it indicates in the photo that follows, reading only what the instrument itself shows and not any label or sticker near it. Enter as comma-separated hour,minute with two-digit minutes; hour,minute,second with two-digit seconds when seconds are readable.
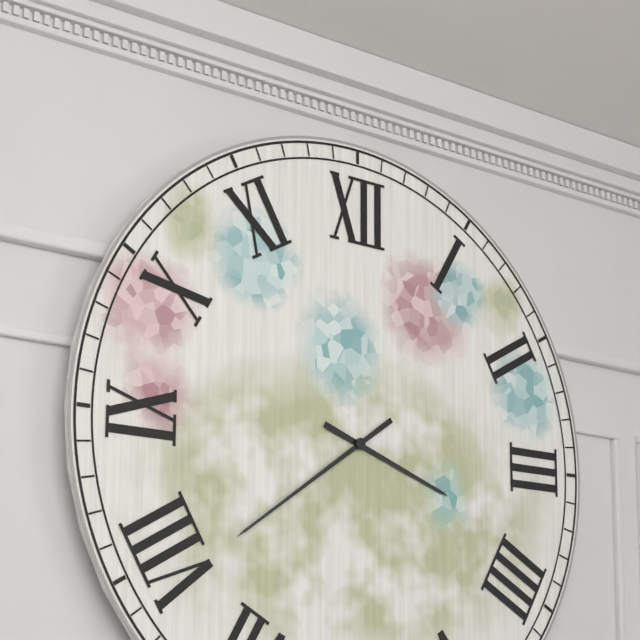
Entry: 3,39
